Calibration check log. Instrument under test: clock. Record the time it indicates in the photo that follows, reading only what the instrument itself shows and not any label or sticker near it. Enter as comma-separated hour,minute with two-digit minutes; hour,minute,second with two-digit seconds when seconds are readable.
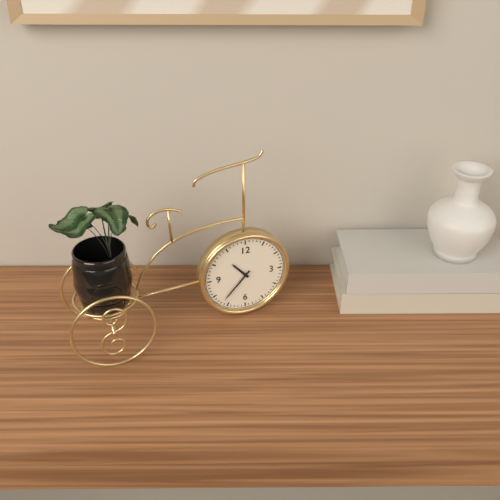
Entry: 10,37
